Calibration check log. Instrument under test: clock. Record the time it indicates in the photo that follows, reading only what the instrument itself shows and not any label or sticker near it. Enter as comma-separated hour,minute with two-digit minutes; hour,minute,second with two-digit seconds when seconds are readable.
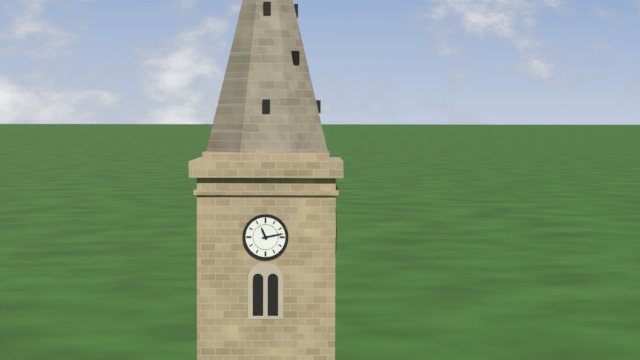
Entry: 11,13
